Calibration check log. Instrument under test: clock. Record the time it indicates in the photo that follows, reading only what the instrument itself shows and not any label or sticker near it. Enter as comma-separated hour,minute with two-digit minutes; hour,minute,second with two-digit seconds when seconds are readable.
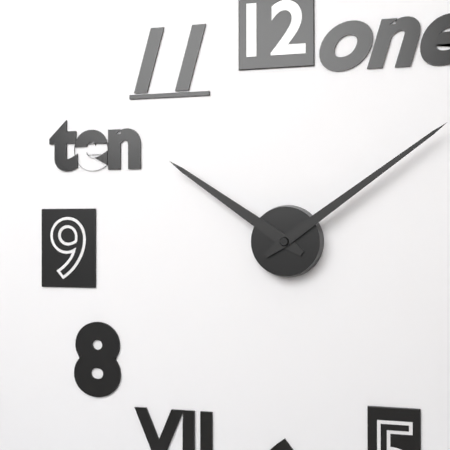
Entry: 10,09
